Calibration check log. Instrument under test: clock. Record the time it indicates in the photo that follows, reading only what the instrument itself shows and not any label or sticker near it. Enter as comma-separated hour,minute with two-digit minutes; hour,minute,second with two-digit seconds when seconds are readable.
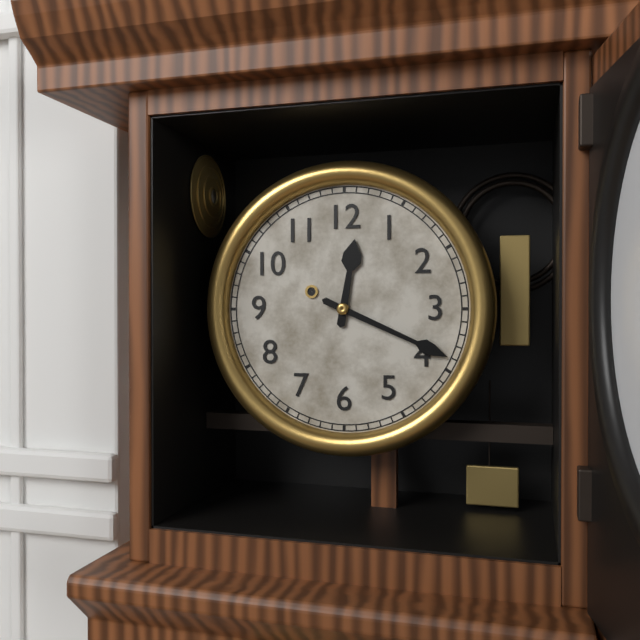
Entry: 12,19
